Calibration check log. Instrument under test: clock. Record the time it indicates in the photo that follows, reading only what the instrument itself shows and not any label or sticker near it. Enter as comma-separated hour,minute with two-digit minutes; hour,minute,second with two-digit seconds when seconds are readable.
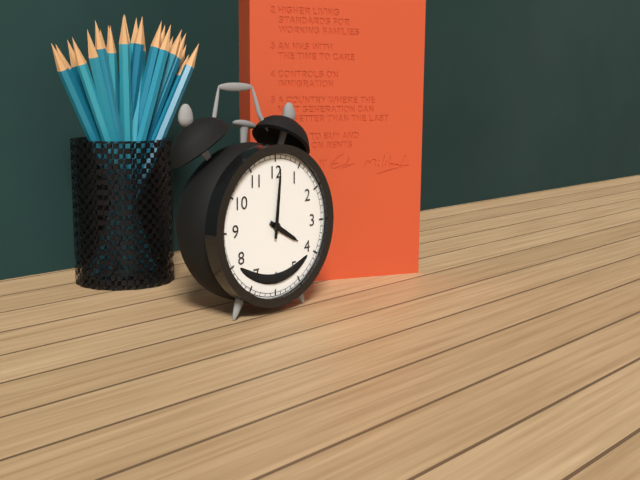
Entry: 4,01
